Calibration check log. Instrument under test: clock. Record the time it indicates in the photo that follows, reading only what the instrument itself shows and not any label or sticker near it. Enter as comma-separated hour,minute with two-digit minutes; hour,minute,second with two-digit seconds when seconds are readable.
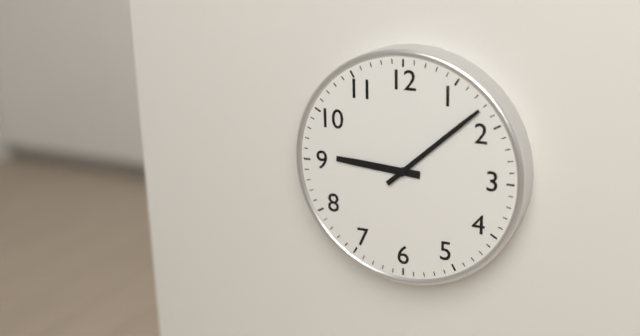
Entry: 9,08
